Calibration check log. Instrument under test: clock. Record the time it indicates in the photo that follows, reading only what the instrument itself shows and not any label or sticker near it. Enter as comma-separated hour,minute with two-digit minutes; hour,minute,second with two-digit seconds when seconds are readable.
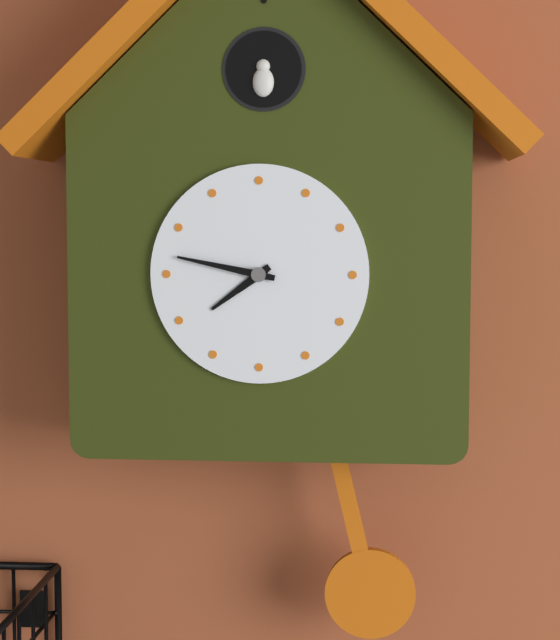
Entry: 7,47
